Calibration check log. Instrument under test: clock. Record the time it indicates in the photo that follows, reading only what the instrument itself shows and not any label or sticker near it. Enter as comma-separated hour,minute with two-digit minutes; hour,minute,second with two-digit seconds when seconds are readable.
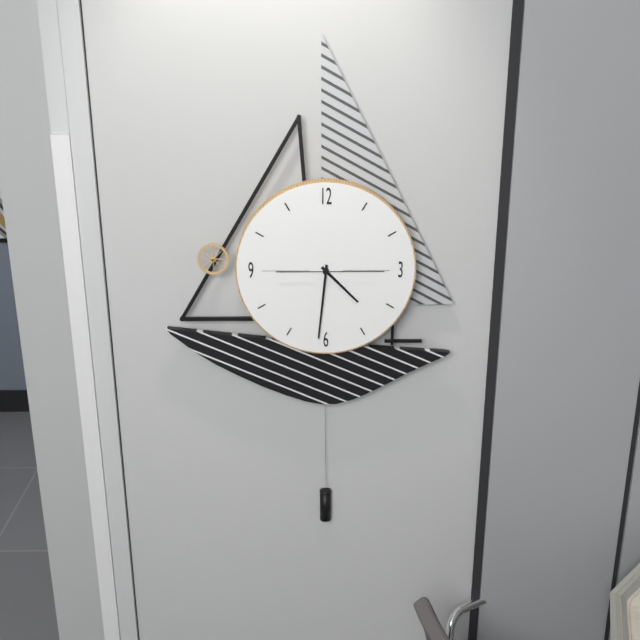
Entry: 4,31,15
